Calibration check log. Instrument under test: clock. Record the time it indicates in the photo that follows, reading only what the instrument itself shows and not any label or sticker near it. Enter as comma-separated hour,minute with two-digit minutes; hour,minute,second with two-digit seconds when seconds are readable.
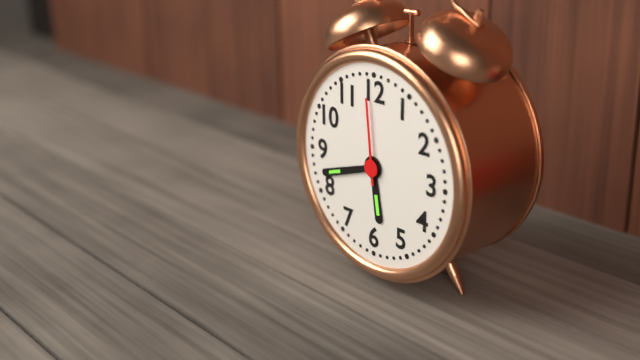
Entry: 5,42,59
